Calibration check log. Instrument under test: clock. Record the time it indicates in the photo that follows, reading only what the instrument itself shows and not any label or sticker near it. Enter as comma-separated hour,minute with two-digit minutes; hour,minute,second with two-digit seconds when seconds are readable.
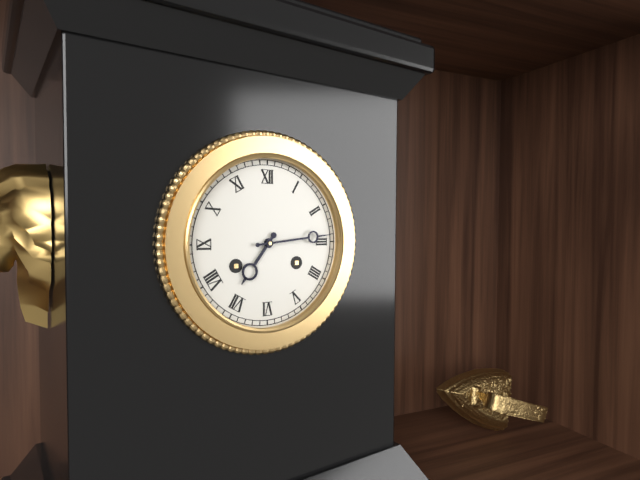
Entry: 7,14
